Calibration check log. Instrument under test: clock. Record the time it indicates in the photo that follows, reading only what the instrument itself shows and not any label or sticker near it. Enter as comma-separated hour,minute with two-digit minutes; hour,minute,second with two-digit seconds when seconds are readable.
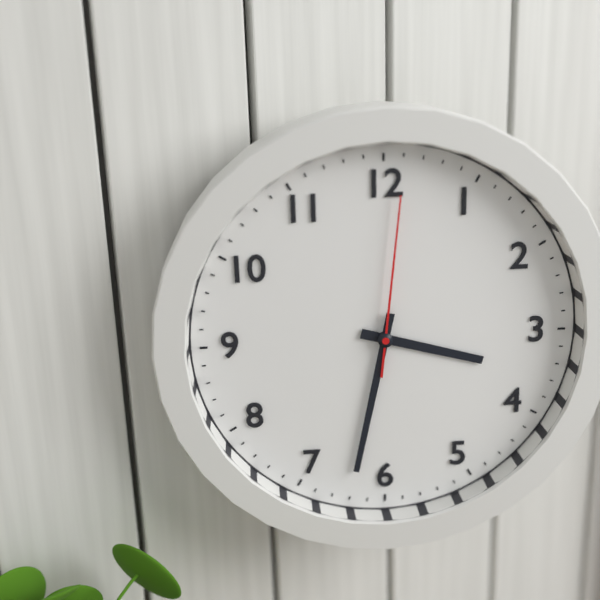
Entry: 3,32,01
